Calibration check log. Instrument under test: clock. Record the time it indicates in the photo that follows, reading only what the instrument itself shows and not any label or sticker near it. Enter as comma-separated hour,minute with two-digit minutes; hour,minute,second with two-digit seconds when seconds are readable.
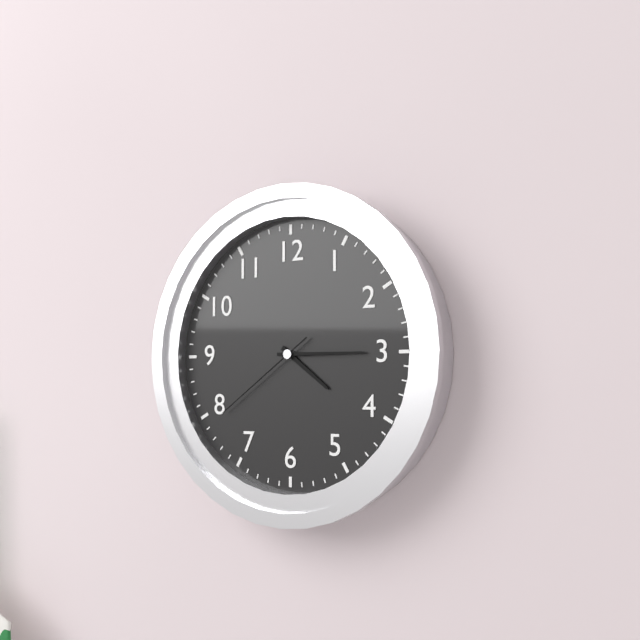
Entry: 4,15,39
